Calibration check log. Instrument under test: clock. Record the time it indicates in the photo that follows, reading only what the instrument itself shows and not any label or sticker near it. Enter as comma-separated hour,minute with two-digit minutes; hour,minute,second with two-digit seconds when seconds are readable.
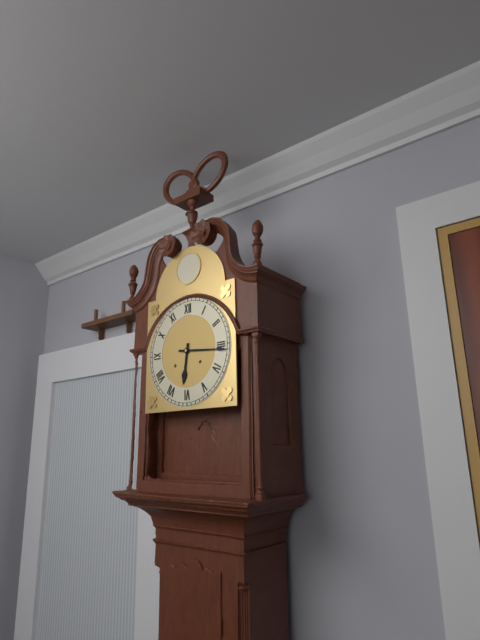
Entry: 6,16
